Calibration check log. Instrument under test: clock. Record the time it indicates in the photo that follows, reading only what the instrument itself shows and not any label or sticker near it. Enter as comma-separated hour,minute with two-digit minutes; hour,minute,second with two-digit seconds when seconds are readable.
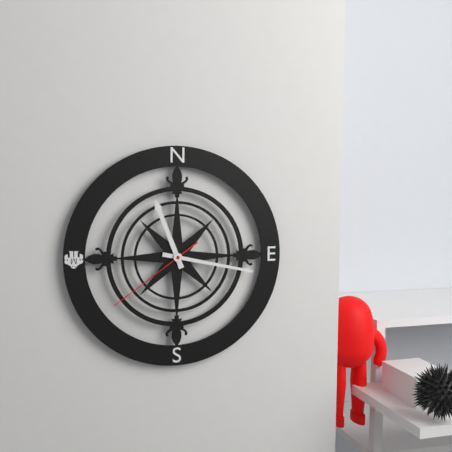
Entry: 11,17,39
